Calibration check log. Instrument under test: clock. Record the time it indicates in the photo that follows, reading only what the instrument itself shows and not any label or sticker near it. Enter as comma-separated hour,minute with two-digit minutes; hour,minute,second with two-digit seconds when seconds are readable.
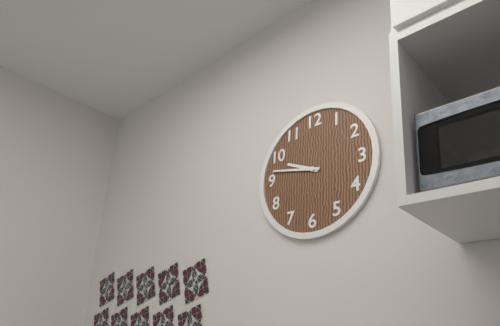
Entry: 9,47
